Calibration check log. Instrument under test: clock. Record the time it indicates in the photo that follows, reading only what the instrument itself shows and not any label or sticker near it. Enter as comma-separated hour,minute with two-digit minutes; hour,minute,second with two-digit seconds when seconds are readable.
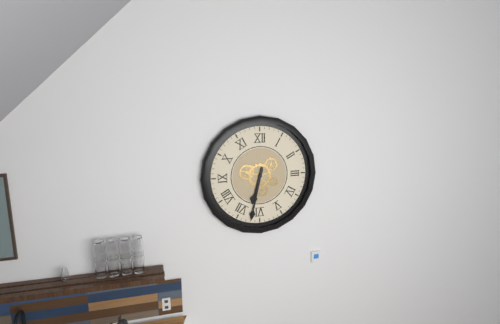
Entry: 6,32
